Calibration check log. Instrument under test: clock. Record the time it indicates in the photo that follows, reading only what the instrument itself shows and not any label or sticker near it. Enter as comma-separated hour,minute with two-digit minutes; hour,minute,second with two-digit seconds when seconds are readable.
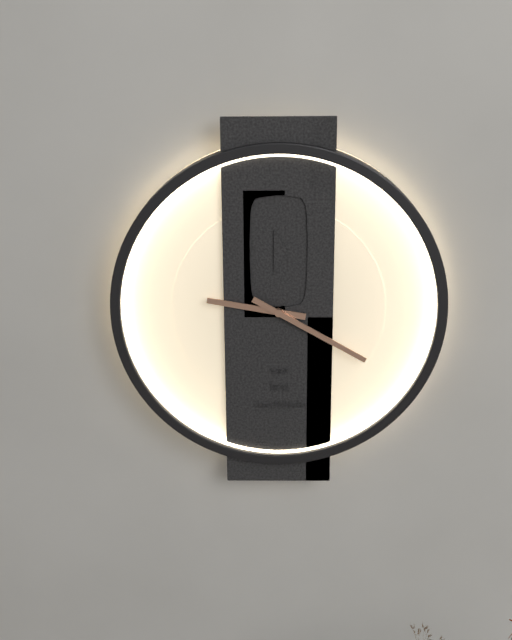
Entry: 9,20
